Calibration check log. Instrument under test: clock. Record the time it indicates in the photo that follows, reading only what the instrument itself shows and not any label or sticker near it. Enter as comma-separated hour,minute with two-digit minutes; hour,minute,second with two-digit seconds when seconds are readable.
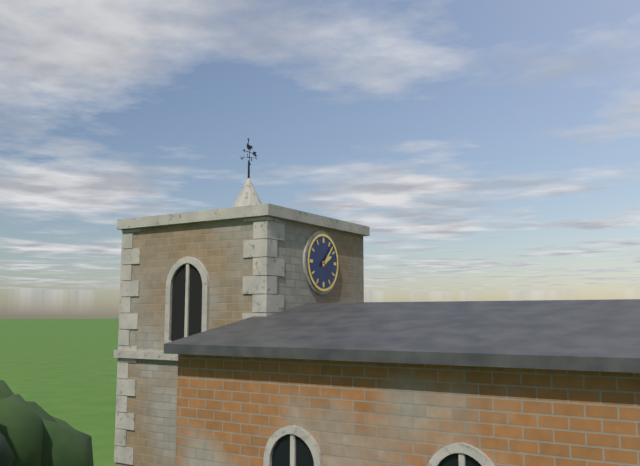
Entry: 2,07
